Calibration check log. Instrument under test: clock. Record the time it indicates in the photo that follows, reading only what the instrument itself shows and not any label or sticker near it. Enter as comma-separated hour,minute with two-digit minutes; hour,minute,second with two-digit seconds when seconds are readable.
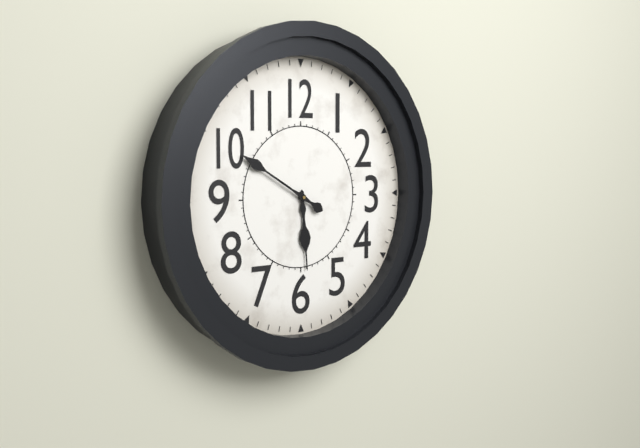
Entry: 5,50
